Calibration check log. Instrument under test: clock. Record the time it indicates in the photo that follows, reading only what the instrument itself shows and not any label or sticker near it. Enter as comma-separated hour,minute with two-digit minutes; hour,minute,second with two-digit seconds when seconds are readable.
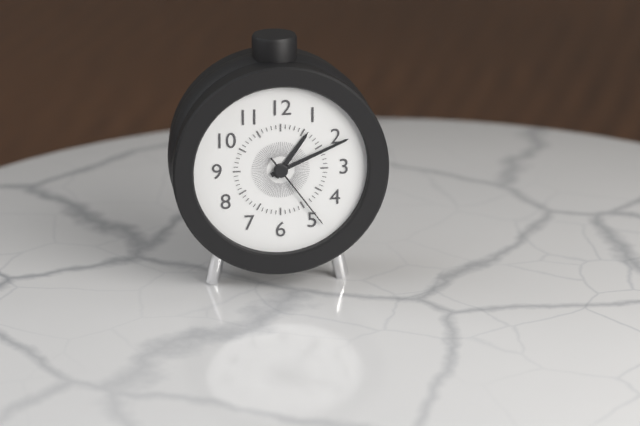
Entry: 1,11,24
